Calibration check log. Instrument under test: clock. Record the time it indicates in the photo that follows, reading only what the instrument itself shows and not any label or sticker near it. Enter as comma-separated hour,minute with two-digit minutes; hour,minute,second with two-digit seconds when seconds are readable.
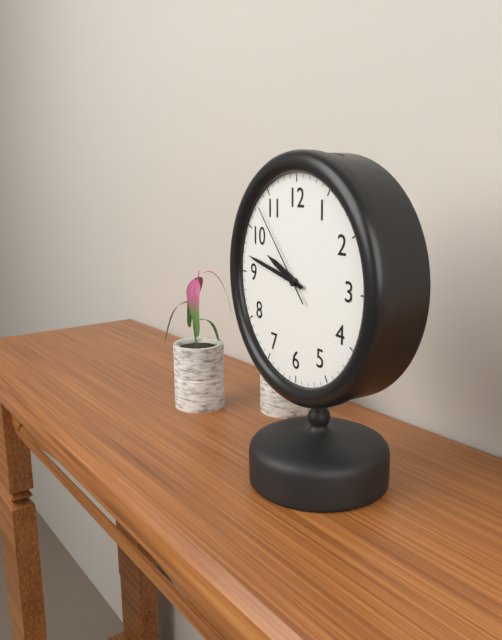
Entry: 9,47,53
